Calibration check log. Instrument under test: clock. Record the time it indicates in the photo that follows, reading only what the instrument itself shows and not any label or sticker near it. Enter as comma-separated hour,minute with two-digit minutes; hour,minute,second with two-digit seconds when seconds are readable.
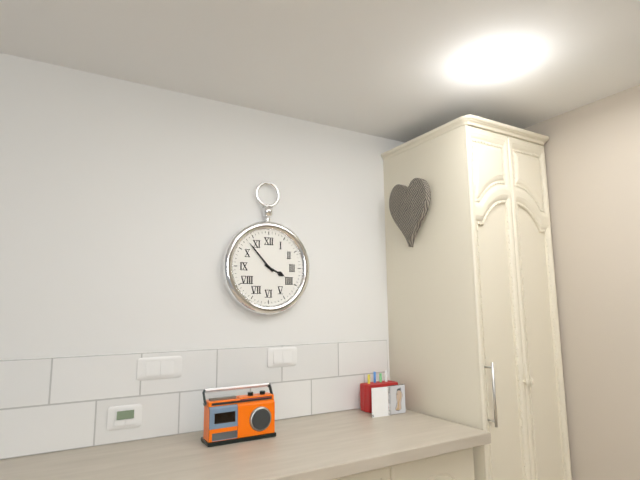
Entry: 3,53
